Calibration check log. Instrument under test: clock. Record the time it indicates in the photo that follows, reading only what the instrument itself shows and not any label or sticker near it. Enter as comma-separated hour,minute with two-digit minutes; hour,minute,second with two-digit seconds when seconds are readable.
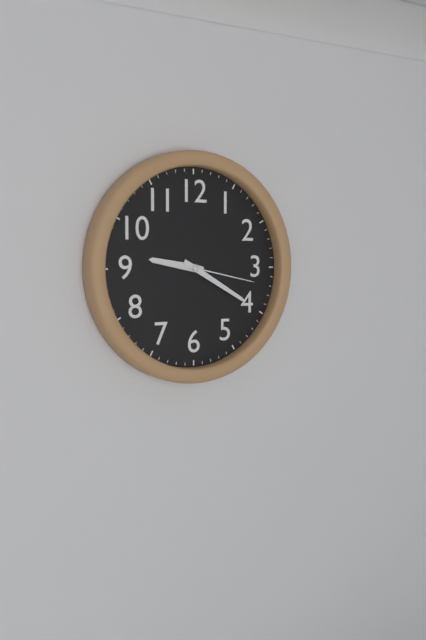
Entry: 9,20,17
